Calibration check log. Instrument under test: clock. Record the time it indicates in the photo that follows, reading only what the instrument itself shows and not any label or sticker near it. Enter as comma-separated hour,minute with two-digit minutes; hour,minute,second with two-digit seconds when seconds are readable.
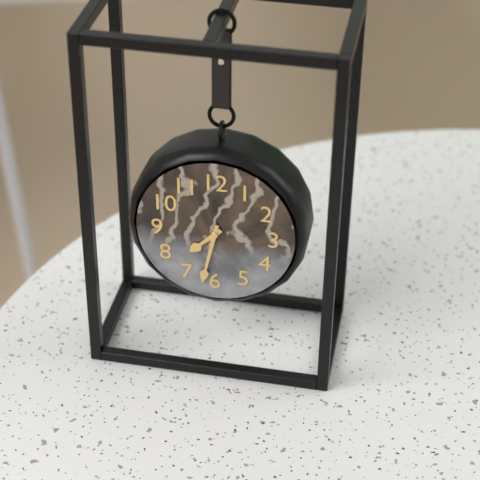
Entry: 7,32
